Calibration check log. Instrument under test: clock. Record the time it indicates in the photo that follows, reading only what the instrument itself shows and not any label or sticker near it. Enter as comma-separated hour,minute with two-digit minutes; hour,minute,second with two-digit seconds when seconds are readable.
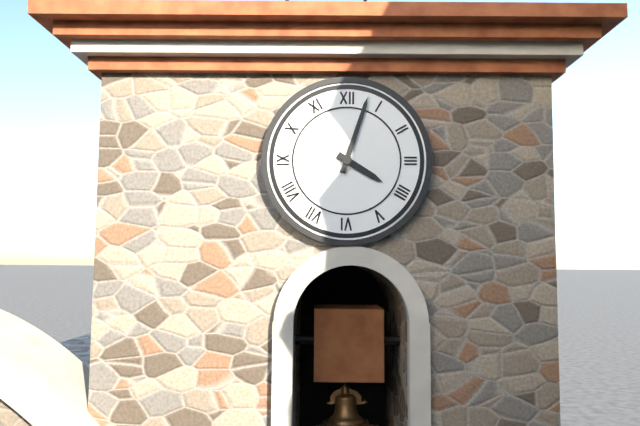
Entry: 4,03
